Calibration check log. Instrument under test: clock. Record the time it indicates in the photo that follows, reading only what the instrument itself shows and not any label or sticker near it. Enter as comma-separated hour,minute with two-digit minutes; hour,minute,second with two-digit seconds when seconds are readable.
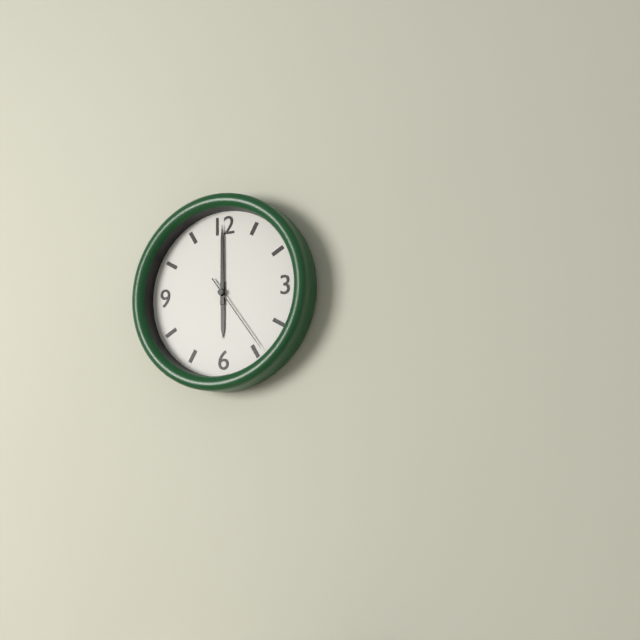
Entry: 6,00,24
